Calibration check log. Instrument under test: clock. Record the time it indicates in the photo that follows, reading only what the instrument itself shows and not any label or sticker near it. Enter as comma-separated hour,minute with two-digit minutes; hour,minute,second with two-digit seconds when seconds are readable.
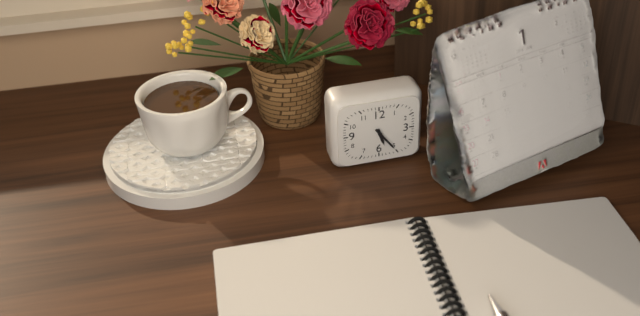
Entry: 5,24
